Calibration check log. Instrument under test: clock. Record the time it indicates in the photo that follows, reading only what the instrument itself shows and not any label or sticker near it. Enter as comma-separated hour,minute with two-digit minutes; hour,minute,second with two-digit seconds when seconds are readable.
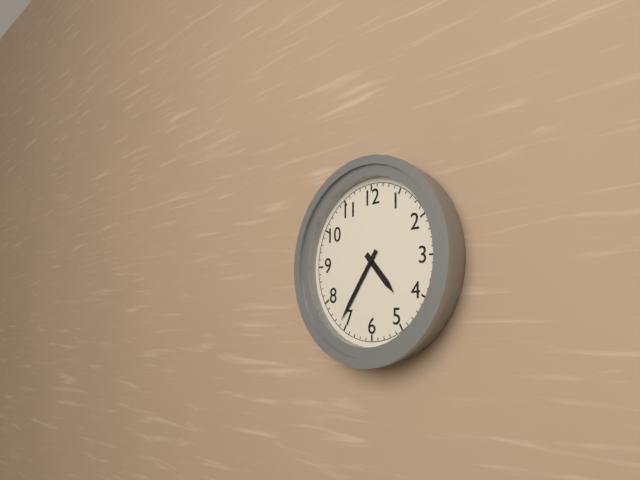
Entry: 4,36
